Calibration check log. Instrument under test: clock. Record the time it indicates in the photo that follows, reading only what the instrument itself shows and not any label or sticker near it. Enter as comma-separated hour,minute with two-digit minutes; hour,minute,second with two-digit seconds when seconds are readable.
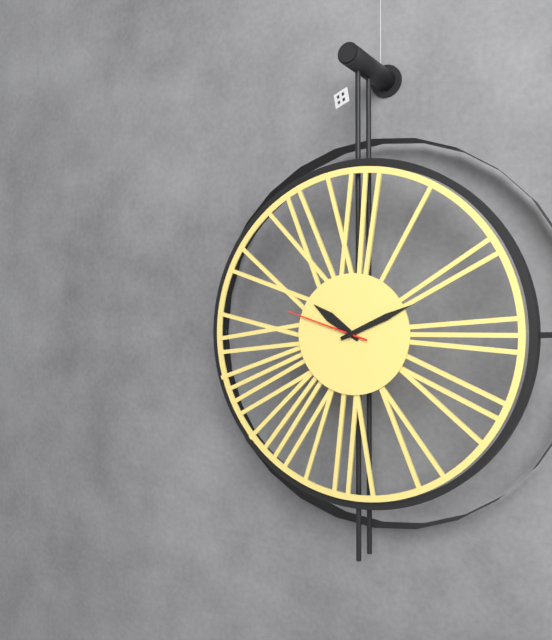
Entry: 10,11,48
